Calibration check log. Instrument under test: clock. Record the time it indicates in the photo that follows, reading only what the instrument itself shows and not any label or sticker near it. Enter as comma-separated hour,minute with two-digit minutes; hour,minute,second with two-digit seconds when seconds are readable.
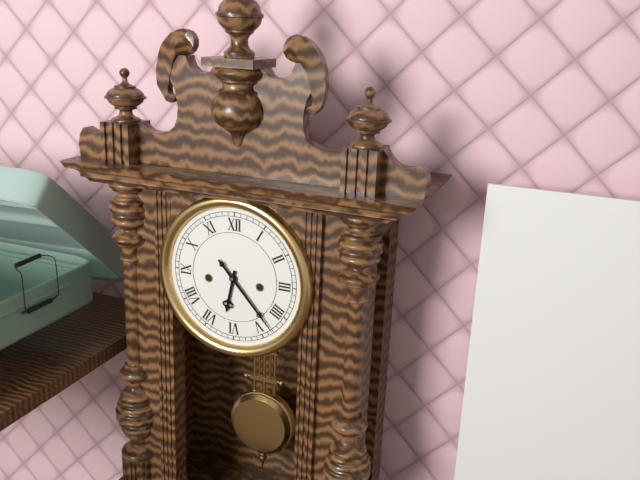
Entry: 6,23
